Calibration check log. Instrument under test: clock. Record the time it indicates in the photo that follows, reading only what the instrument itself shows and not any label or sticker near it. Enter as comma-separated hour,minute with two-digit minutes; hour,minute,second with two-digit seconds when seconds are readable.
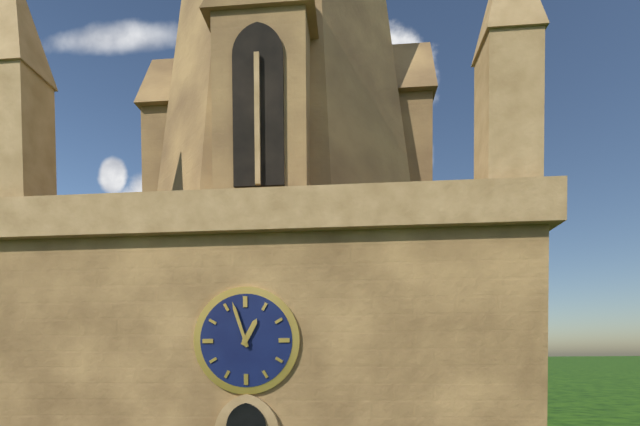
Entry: 12,57
